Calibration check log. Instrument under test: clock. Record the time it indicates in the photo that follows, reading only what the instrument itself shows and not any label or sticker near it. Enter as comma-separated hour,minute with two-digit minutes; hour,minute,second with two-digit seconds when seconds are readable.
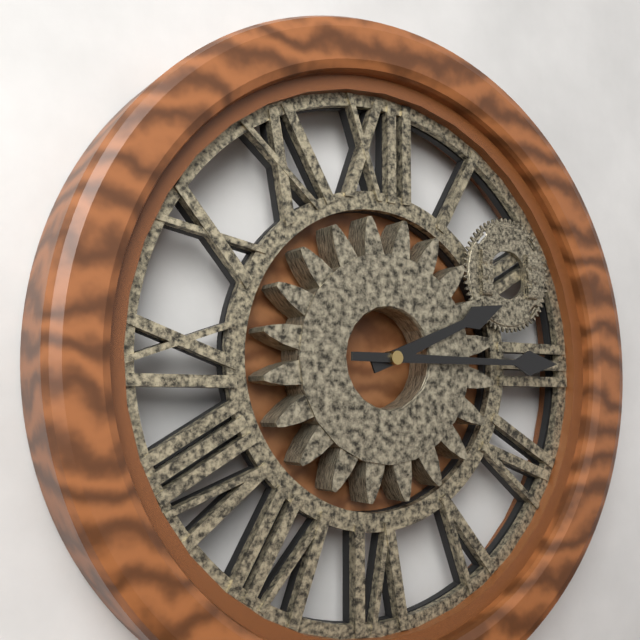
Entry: 2,15
